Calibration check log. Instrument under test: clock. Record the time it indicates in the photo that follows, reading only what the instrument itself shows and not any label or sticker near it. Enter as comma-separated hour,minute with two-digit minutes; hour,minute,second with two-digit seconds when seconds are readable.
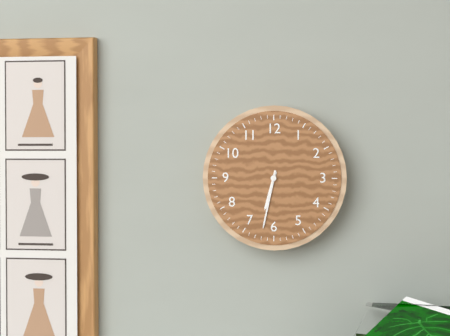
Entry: 6,32
